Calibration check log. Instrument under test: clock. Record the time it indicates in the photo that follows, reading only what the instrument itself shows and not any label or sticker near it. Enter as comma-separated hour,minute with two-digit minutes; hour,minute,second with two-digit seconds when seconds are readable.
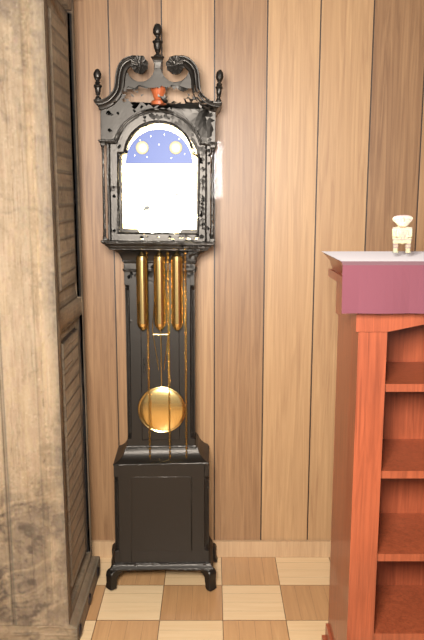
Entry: 8,11
